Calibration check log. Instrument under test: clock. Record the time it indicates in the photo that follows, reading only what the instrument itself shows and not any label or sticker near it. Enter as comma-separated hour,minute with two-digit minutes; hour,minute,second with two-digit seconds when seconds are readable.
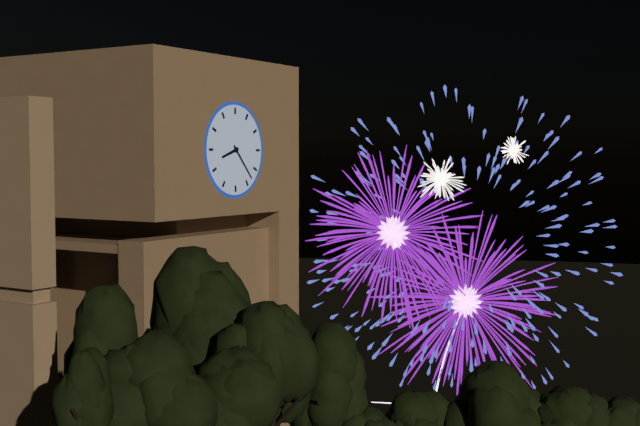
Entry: 8,23
